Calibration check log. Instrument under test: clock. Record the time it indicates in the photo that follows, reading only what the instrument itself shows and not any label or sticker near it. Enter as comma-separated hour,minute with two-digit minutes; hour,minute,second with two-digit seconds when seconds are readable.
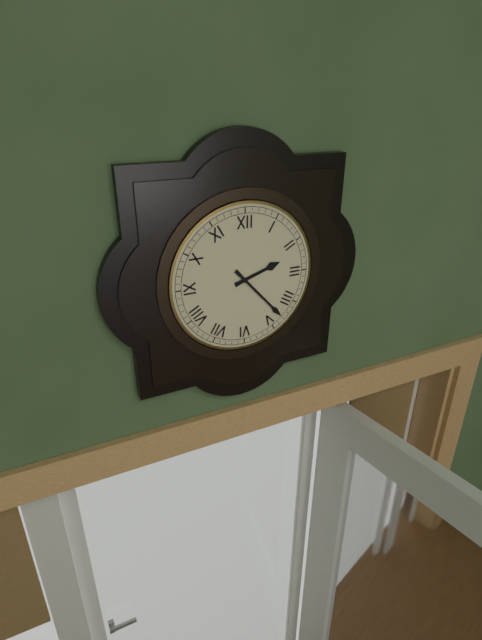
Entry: 2,23
